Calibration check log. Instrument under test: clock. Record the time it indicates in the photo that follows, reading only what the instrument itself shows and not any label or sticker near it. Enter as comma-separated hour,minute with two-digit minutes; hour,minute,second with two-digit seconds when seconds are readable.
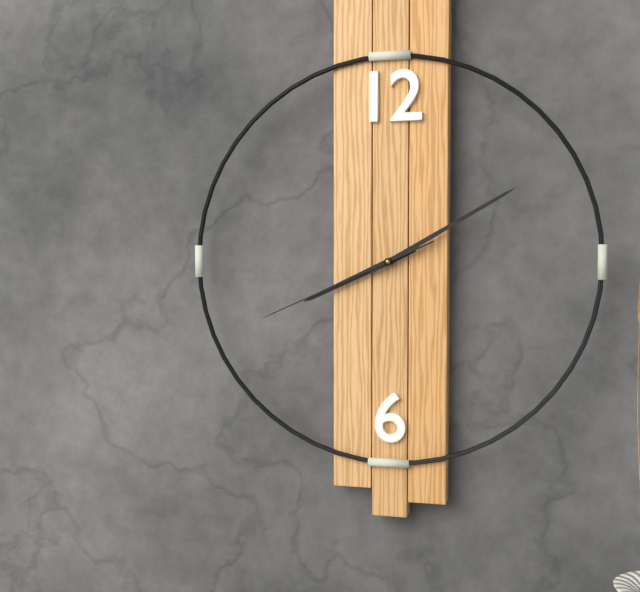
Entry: 8,10,41
